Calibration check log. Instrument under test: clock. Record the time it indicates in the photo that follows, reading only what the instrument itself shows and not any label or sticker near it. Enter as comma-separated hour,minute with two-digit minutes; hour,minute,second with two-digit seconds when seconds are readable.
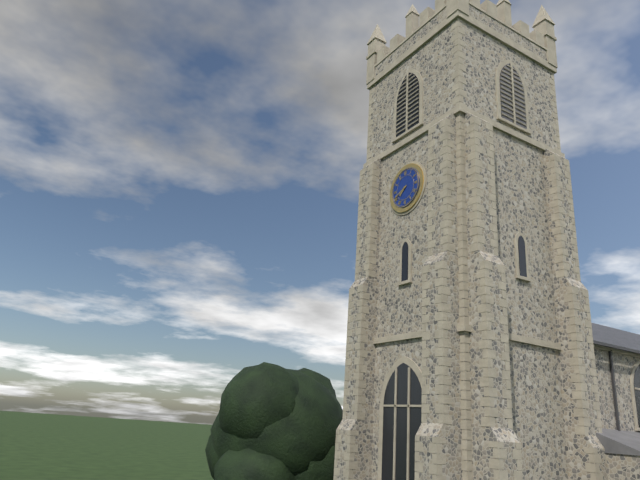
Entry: 7,41
